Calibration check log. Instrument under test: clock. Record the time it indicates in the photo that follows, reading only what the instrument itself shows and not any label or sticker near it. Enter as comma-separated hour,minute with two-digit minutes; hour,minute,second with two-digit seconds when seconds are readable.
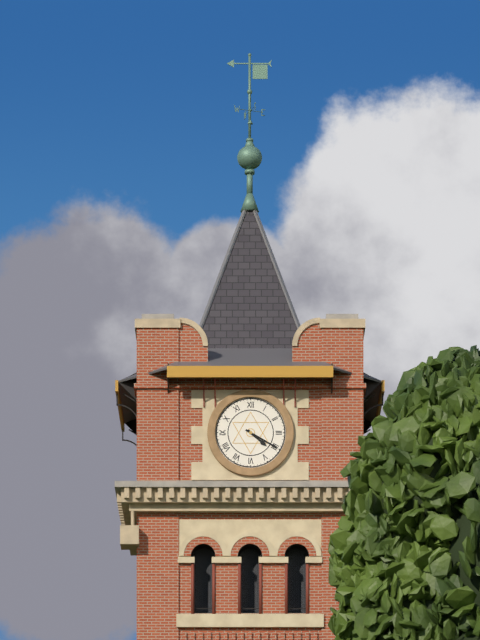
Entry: 4,20
